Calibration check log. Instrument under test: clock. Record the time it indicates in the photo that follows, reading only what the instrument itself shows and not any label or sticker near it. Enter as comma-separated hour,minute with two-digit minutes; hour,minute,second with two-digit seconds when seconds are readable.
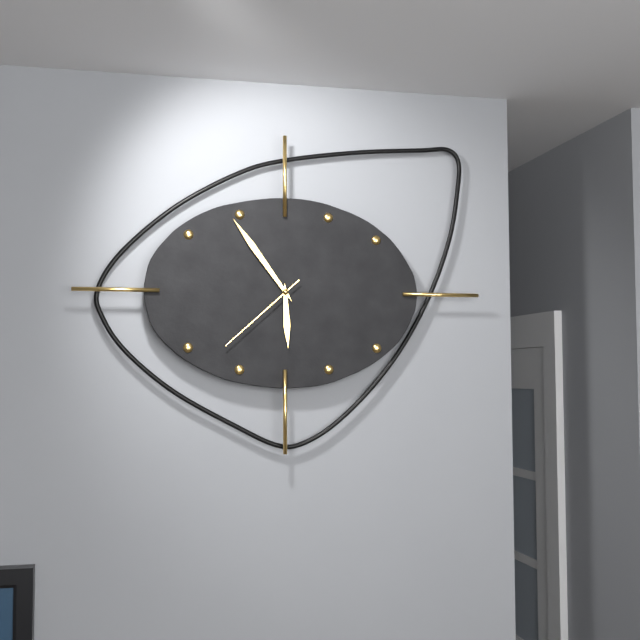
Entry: 5,54,38
